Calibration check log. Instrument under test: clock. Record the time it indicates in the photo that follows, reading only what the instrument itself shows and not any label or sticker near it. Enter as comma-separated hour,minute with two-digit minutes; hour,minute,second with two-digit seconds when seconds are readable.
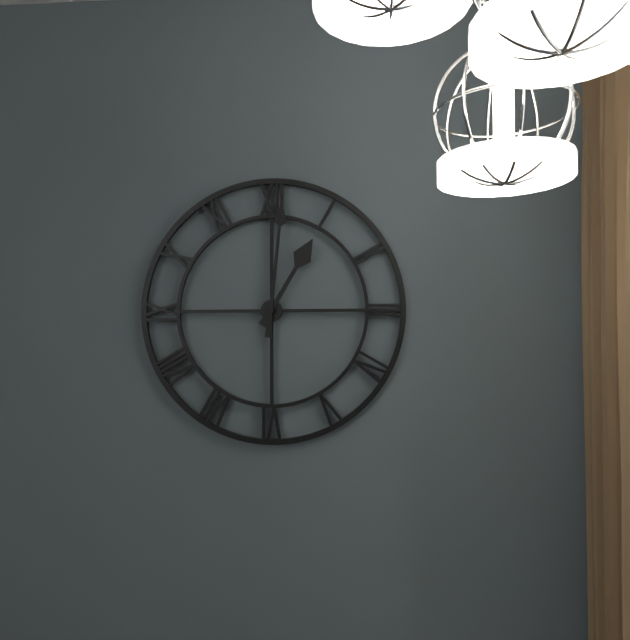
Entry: 1,01
